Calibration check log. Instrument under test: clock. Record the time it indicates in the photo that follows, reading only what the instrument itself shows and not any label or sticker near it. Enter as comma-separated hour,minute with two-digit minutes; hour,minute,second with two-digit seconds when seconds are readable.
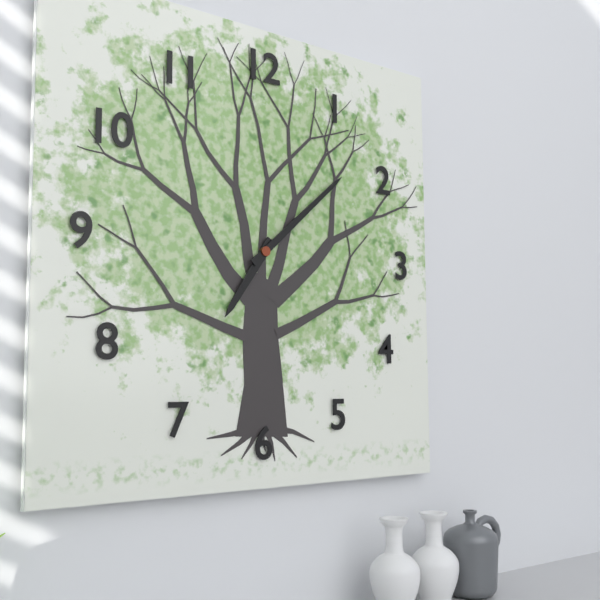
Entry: 7,08
